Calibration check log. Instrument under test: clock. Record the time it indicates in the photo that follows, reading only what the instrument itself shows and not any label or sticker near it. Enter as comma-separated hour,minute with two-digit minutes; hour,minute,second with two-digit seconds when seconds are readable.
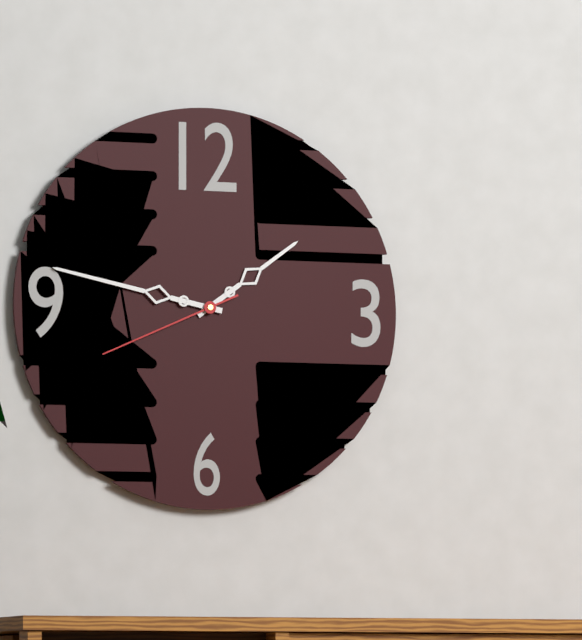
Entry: 1,47,41
